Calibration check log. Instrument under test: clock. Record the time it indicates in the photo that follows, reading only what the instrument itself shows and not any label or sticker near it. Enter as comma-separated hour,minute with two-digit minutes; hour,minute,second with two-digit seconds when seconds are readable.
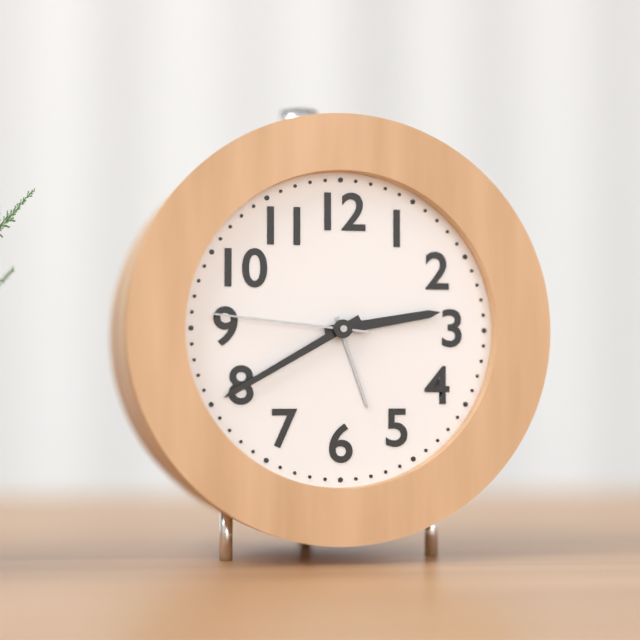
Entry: 2,40,46
